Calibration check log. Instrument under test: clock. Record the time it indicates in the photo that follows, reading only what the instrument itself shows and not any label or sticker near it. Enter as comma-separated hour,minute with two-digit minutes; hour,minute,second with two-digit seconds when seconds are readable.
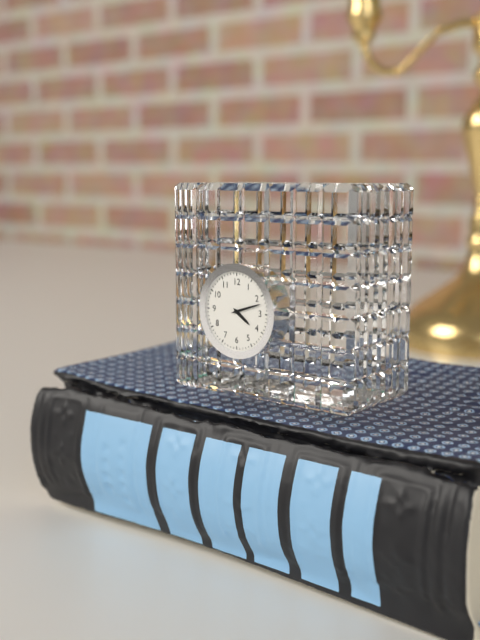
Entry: 4,12
